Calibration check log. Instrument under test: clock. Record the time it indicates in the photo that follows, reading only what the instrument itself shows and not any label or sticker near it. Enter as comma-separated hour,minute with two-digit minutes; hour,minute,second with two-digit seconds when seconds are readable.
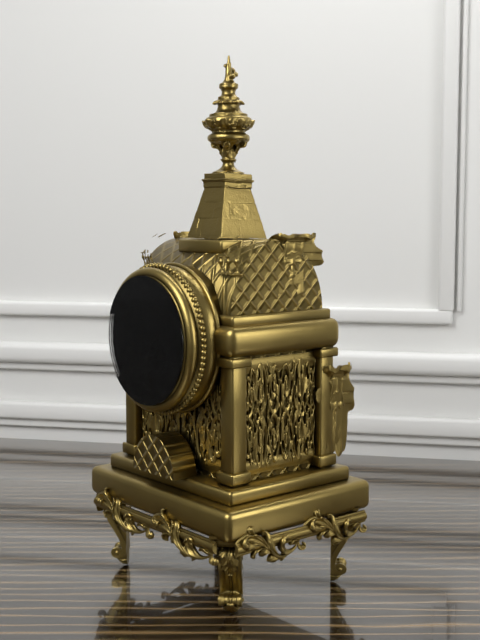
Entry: 7,02
